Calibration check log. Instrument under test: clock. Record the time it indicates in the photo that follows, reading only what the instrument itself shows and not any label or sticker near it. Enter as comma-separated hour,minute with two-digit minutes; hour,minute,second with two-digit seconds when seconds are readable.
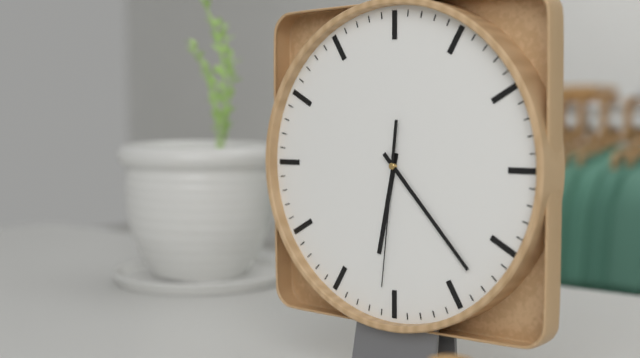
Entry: 6,23,31
